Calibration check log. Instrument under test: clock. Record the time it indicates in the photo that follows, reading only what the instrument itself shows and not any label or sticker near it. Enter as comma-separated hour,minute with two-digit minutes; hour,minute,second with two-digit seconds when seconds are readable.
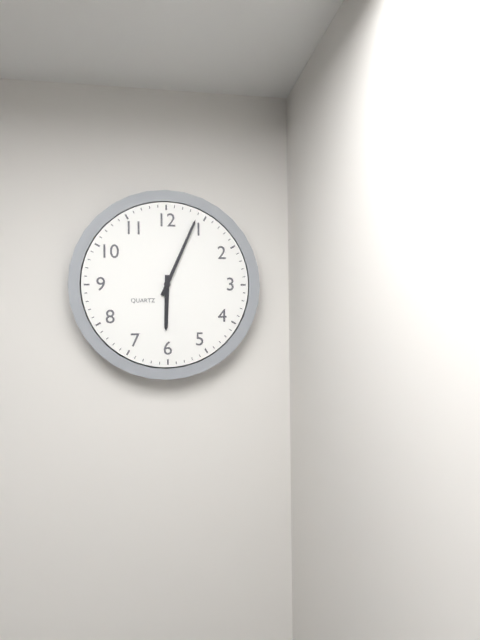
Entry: 6,04
